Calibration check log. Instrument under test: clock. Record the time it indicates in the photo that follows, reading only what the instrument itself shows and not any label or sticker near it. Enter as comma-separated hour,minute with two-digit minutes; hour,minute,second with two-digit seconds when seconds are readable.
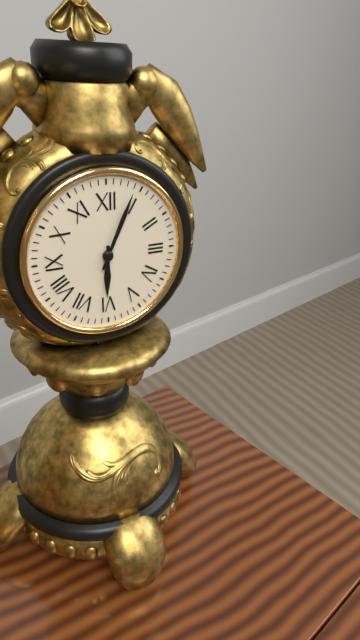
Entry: 6,04
